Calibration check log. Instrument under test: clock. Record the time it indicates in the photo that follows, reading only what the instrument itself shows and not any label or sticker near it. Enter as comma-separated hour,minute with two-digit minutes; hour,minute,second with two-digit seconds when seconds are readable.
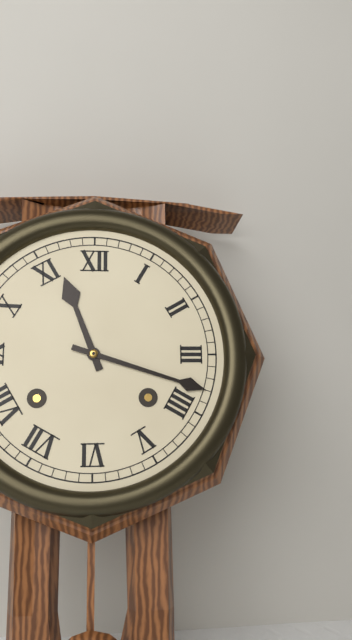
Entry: 11,18
